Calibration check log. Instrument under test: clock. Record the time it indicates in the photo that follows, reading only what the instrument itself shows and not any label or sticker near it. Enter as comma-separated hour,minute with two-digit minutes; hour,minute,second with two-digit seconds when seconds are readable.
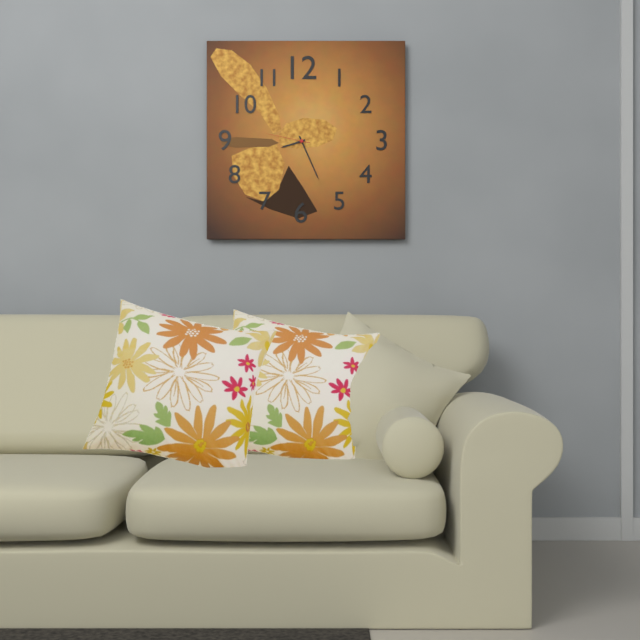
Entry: 8,26
